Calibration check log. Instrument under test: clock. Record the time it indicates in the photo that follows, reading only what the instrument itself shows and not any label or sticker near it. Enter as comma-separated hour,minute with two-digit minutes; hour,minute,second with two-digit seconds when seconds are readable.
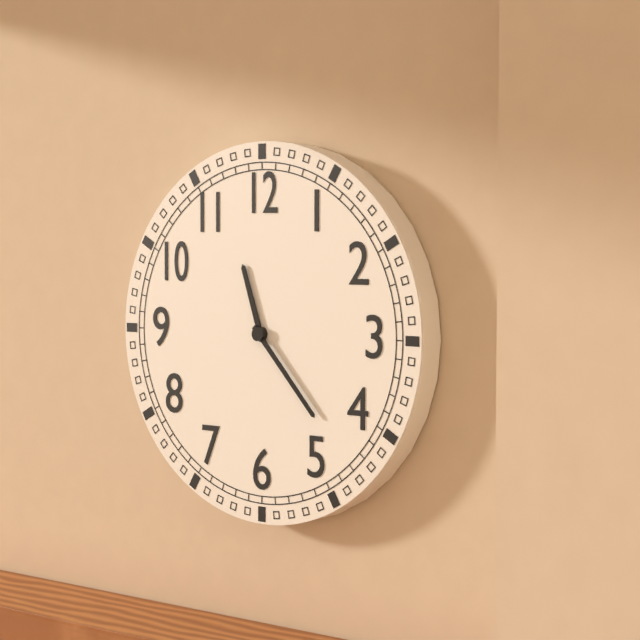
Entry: 11,23
